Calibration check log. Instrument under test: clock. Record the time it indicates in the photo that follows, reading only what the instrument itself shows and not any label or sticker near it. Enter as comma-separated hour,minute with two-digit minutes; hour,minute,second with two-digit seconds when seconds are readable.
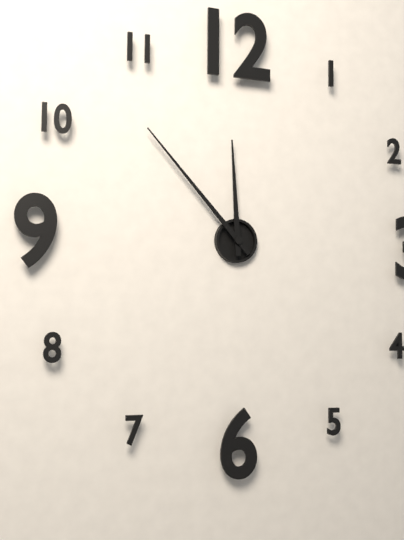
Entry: 11,53
